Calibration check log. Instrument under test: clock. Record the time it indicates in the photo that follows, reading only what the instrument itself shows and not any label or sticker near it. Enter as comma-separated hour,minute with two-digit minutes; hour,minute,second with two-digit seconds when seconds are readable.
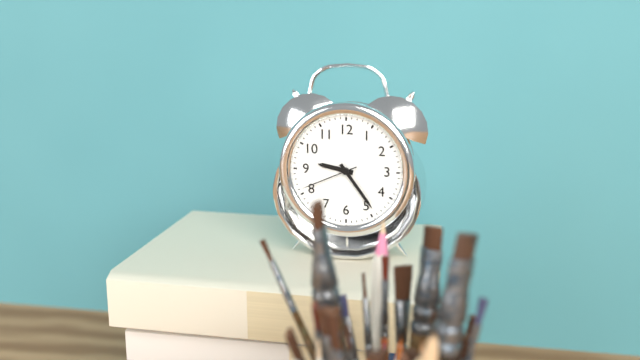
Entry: 9,24,41
